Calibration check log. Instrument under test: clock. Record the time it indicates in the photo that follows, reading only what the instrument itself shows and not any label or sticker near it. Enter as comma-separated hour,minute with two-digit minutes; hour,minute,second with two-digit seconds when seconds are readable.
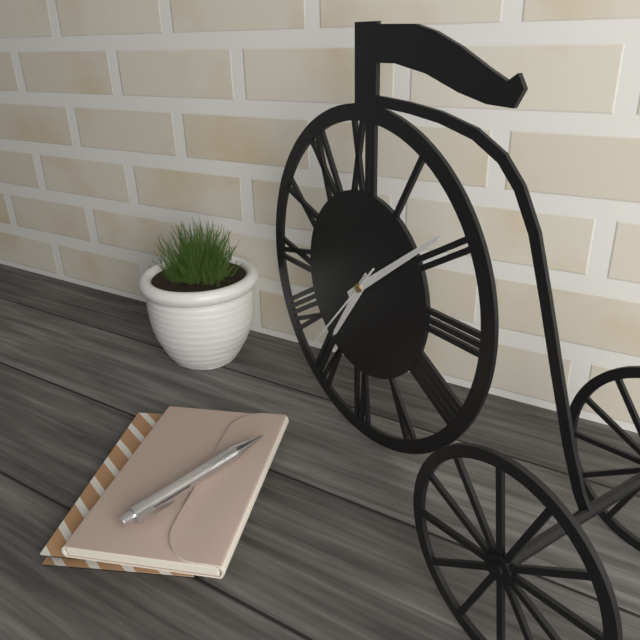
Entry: 7,09,37
